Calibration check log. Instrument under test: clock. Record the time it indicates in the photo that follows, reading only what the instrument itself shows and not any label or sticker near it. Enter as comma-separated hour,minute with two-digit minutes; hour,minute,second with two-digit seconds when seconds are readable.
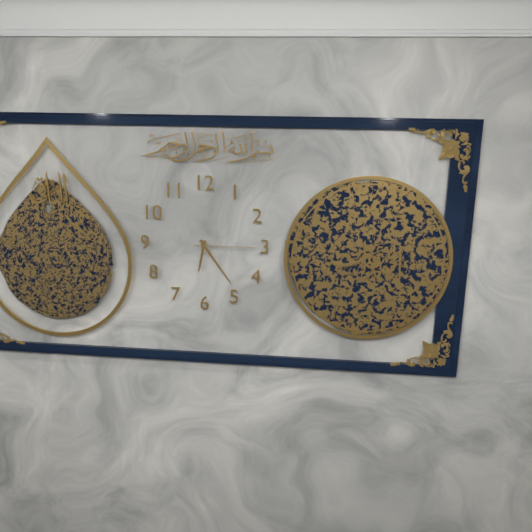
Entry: 6,24,15
